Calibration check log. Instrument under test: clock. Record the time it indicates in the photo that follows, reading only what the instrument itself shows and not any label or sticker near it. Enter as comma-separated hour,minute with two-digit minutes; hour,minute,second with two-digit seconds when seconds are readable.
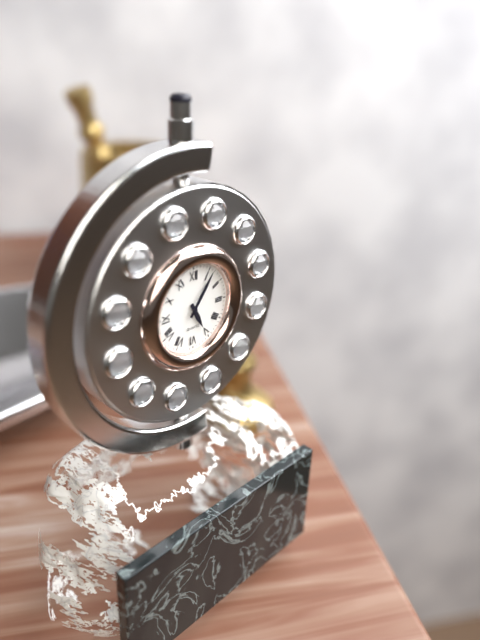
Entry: 5,06
